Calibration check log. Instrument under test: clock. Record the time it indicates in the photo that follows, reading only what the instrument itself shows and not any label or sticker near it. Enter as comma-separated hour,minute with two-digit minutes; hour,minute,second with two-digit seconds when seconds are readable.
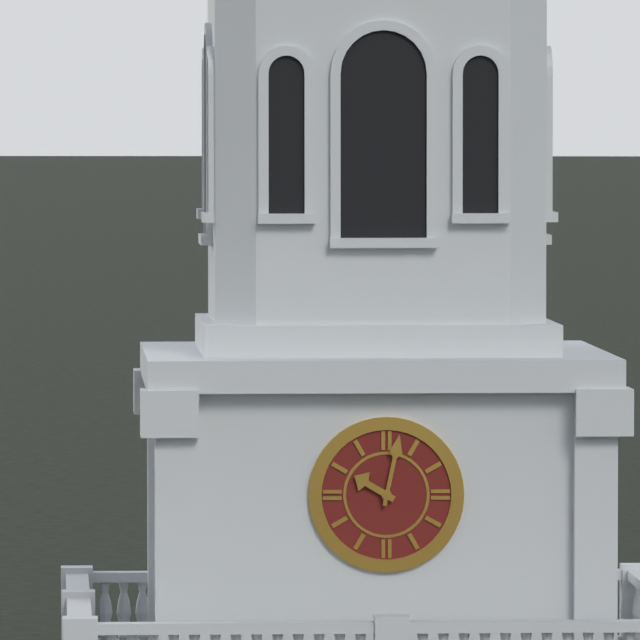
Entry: 10,02
